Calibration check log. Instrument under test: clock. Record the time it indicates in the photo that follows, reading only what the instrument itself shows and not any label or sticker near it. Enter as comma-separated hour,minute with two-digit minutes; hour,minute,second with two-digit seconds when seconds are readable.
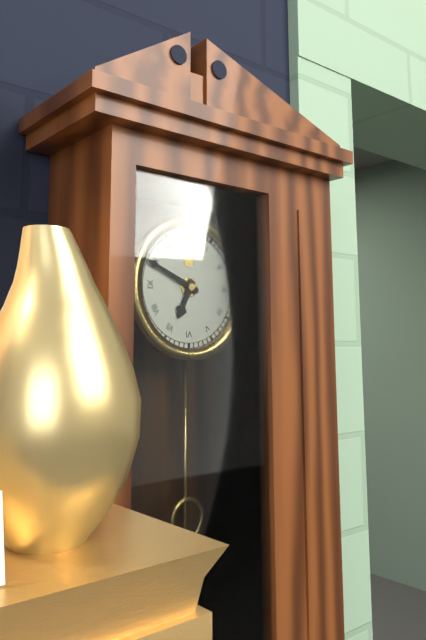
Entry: 6,49
